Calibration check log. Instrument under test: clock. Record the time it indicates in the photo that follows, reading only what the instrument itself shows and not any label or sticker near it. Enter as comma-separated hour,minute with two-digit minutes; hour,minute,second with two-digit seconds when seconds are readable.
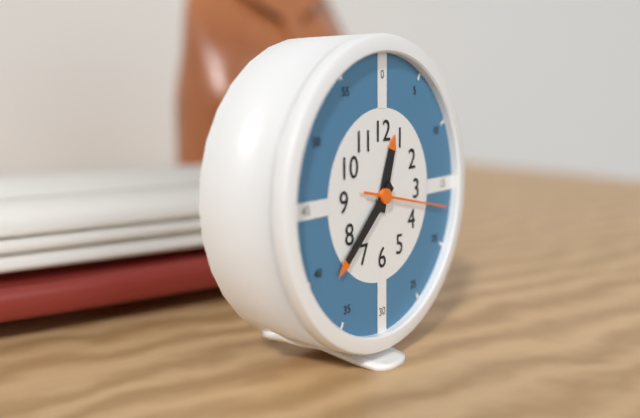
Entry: 12,38,17
